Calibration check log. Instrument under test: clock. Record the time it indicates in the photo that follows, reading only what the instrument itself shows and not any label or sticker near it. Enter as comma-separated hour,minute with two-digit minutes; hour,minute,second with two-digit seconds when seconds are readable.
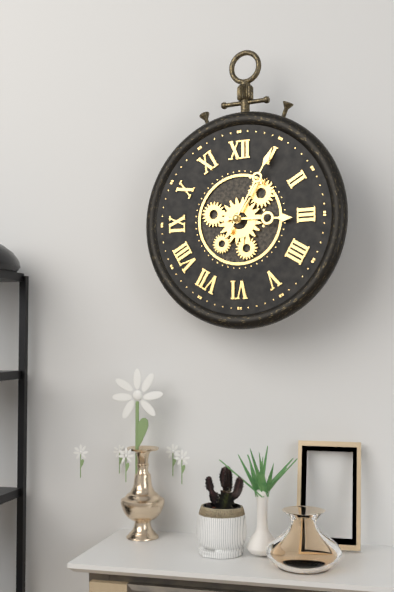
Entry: 3,05
